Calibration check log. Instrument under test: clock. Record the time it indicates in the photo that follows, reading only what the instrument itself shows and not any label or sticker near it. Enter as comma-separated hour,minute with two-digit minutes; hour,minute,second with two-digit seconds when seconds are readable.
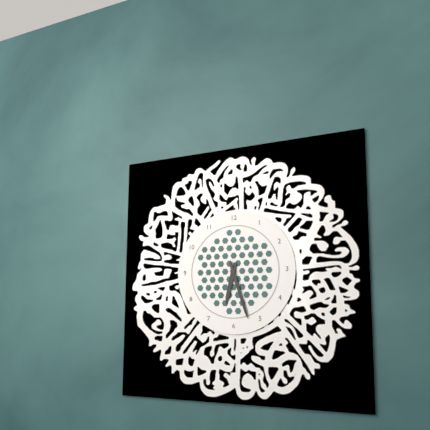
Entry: 6,27
